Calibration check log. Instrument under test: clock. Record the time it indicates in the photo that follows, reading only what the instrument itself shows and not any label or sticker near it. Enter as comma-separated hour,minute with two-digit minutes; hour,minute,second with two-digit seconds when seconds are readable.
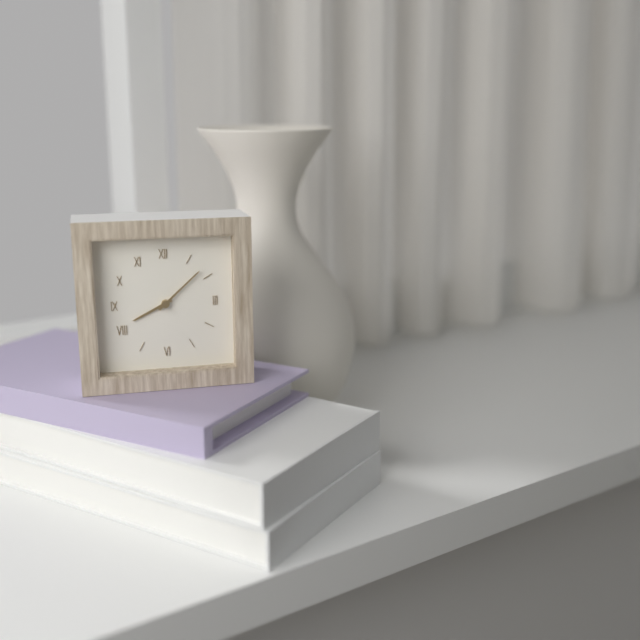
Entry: 8,08
